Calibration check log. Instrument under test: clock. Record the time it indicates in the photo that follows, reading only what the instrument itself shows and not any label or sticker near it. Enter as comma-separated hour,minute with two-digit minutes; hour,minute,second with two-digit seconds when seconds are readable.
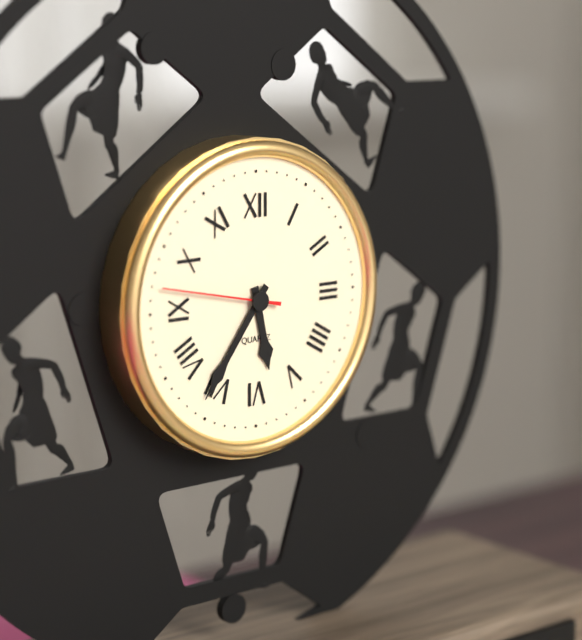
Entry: 5,36,47
